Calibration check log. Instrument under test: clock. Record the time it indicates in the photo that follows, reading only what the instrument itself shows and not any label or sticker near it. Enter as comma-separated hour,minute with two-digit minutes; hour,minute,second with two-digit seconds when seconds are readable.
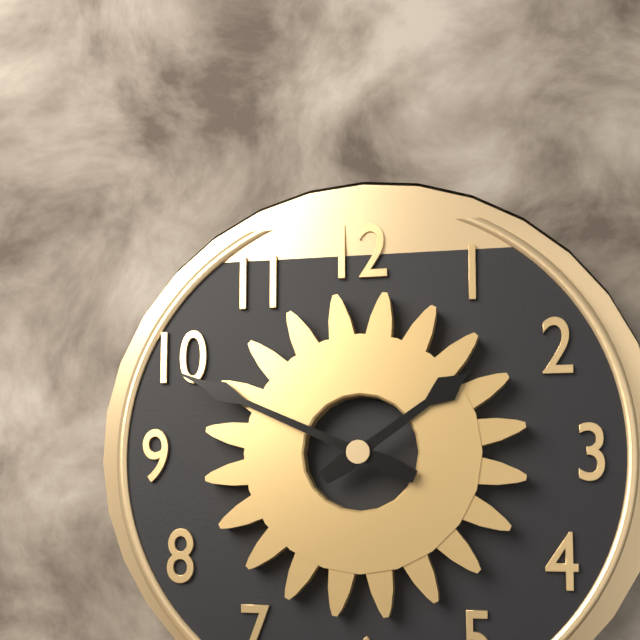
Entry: 1,49
